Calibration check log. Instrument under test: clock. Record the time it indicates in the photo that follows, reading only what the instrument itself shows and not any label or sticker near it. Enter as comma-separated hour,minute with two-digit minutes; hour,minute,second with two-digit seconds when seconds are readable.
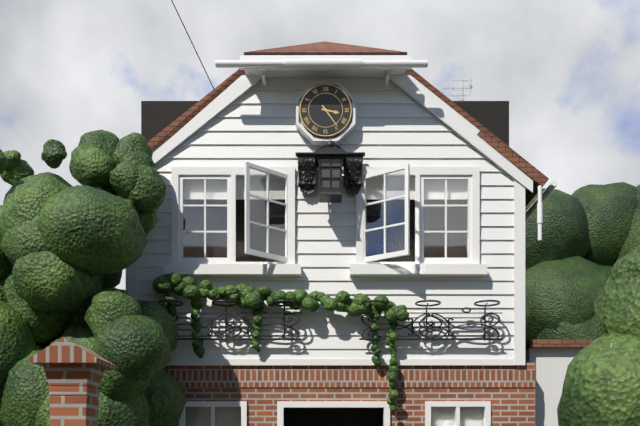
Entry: 3,24
